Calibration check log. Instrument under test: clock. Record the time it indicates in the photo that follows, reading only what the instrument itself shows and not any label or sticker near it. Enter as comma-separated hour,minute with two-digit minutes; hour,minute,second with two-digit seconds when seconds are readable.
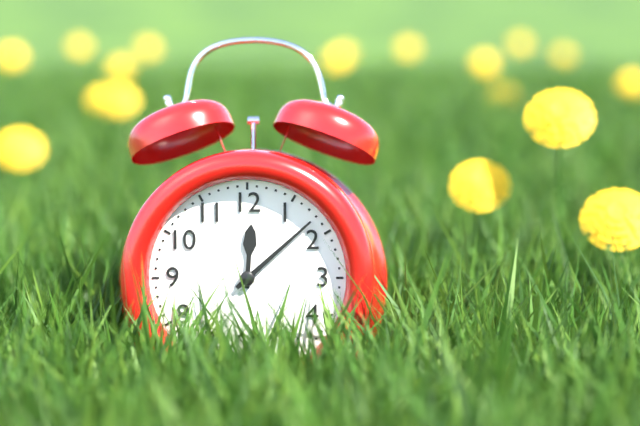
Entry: 12,08
